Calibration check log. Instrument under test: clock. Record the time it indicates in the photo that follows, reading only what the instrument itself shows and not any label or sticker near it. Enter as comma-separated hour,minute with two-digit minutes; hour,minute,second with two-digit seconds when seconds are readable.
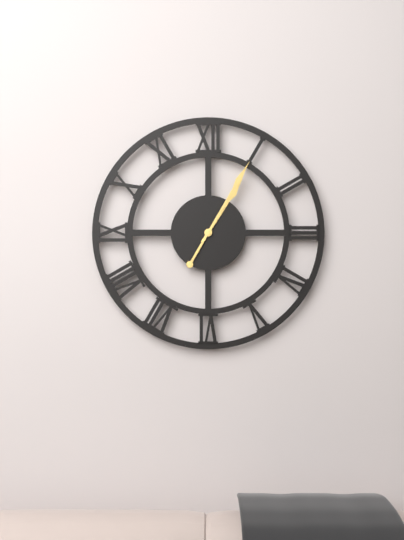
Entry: 1,05
